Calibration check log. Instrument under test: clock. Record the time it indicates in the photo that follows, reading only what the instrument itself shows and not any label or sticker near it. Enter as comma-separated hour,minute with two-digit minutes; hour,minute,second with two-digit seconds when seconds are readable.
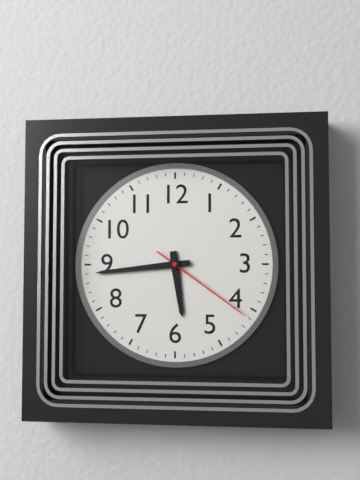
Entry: 5,44,21
